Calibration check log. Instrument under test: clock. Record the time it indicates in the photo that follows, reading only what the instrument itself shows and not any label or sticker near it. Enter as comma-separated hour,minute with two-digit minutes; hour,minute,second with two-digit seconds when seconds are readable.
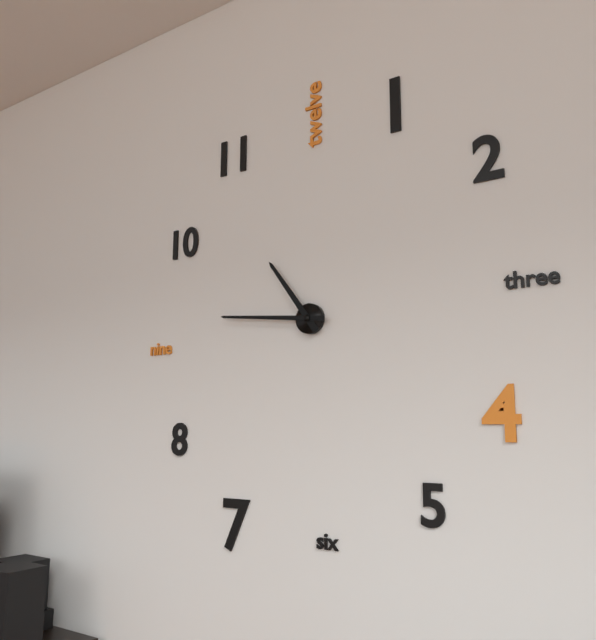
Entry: 10,46
